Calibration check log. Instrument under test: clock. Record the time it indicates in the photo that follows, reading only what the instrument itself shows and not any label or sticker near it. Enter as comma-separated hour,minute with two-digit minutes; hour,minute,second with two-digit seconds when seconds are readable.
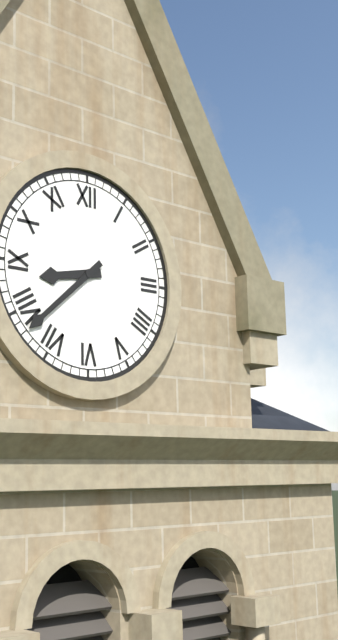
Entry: 8,38
